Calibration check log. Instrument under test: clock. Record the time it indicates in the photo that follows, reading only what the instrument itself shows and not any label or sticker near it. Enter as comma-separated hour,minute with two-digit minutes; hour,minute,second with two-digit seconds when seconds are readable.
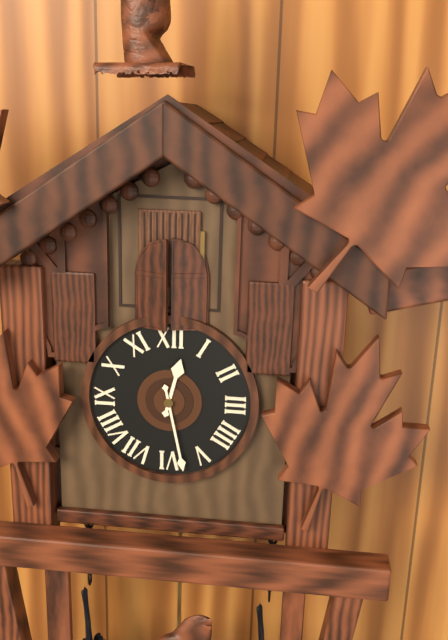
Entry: 12,28
